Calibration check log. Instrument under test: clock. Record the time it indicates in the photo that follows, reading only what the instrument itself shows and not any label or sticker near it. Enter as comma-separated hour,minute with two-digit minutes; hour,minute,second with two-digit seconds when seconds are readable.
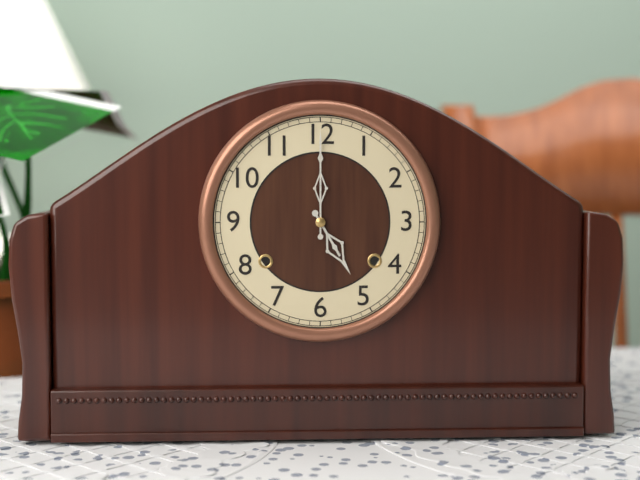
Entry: 5,00
